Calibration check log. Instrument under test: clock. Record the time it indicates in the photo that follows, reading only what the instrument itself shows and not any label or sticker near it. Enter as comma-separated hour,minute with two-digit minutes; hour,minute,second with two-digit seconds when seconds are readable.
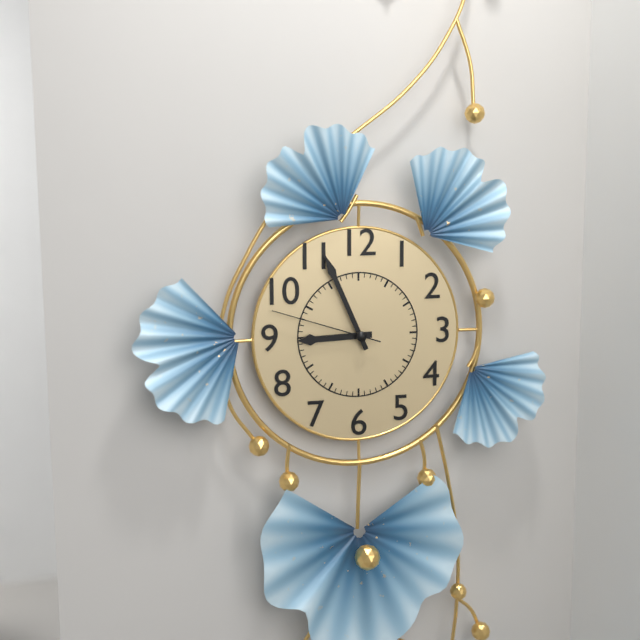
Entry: 8,56,48
